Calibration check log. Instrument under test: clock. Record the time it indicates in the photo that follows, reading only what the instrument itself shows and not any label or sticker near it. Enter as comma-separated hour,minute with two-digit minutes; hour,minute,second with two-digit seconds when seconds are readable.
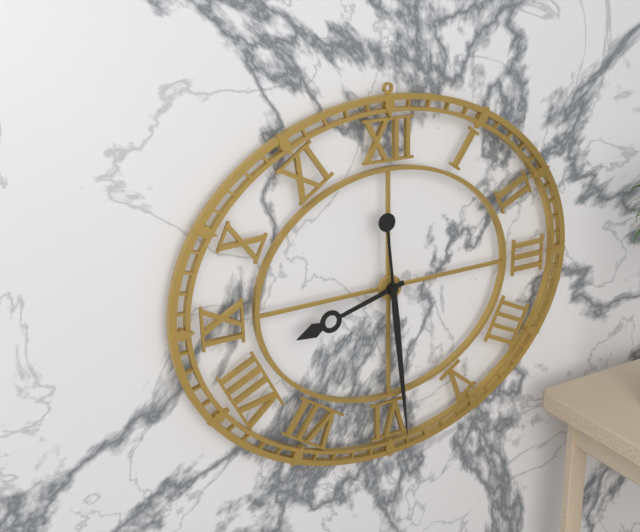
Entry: 8,29
